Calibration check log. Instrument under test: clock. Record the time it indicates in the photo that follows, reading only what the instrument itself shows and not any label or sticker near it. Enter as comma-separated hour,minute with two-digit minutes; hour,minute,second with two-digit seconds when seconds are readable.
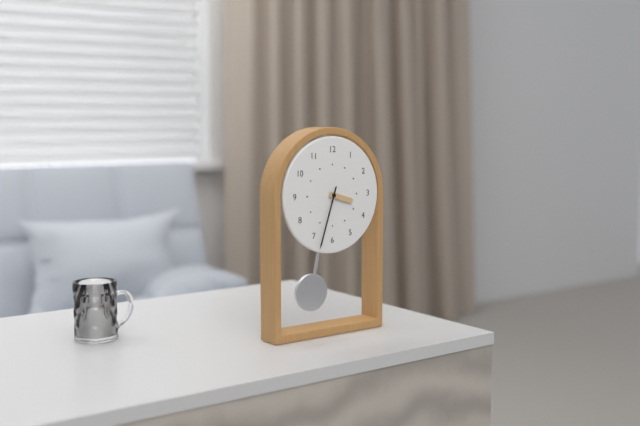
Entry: 3,33
